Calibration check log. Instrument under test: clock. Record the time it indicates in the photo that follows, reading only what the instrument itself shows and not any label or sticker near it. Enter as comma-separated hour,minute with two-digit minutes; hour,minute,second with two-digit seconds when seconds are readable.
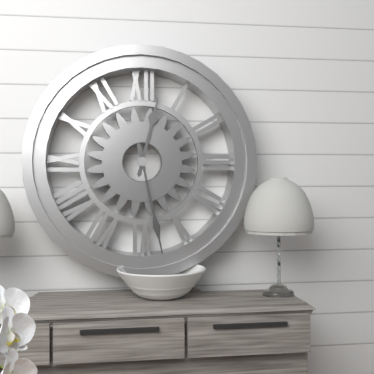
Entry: 12,28
